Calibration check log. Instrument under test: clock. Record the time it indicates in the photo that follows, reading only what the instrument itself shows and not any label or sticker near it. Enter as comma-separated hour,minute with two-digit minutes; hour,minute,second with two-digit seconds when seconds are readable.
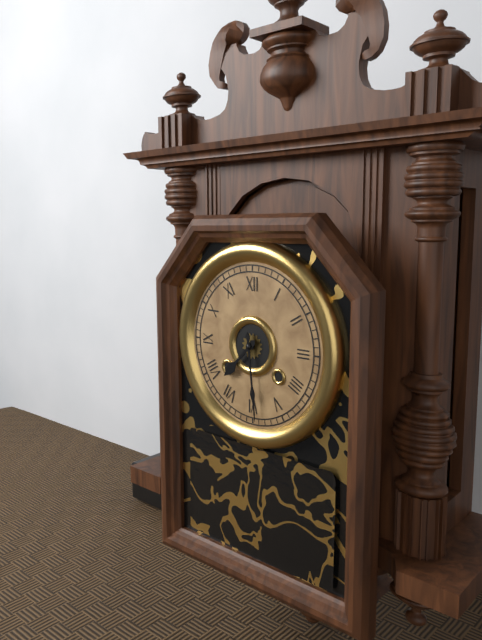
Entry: 7,29
